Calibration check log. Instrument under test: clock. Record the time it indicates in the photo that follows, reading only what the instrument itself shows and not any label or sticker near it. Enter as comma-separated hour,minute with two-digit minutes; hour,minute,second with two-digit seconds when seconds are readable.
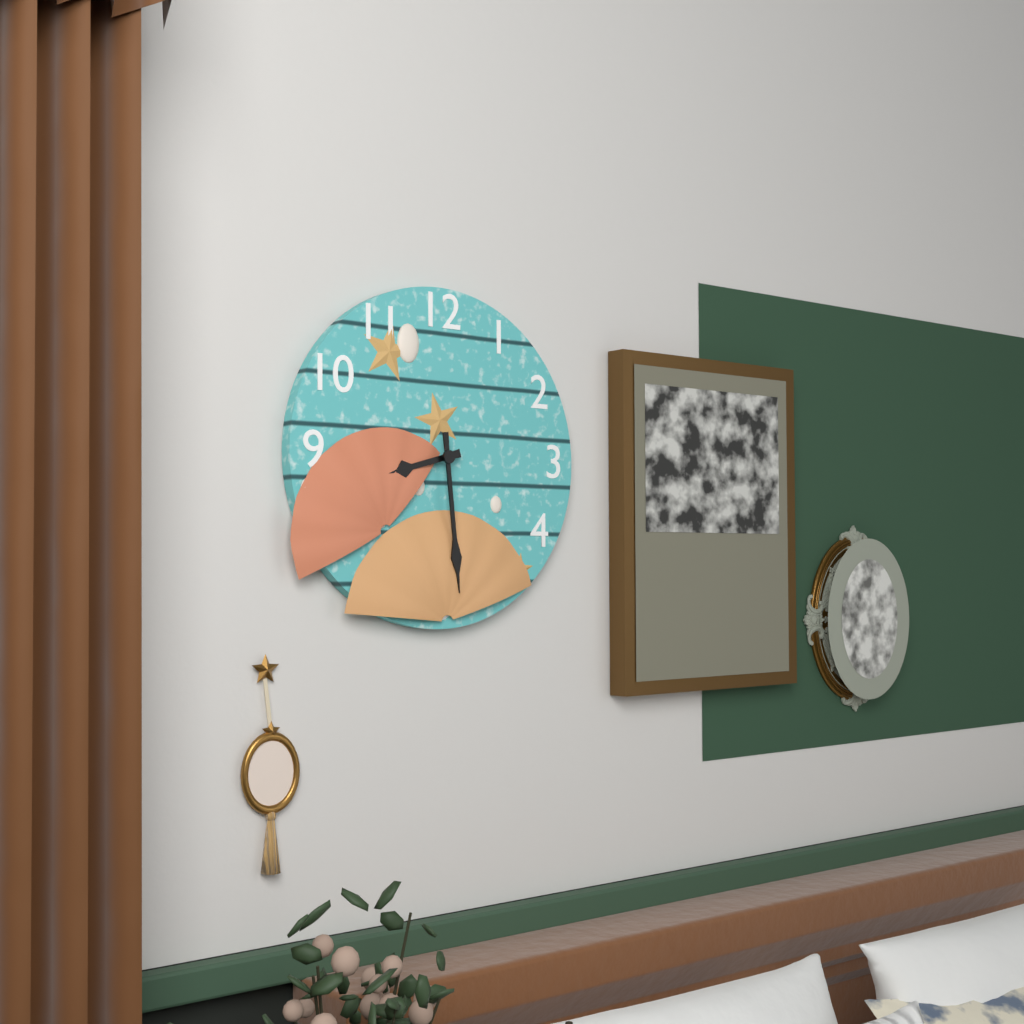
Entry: 8,29
